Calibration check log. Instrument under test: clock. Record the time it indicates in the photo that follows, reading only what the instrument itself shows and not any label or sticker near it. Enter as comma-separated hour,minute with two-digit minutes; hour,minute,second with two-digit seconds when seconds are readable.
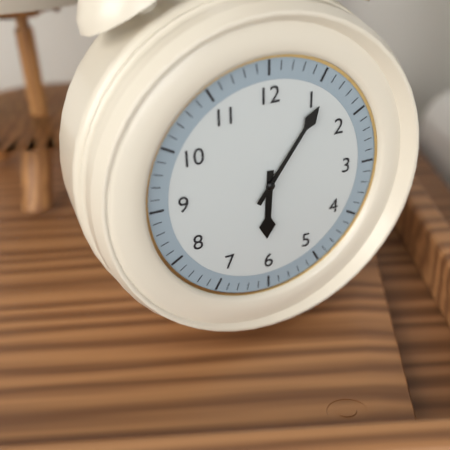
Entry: 6,06
